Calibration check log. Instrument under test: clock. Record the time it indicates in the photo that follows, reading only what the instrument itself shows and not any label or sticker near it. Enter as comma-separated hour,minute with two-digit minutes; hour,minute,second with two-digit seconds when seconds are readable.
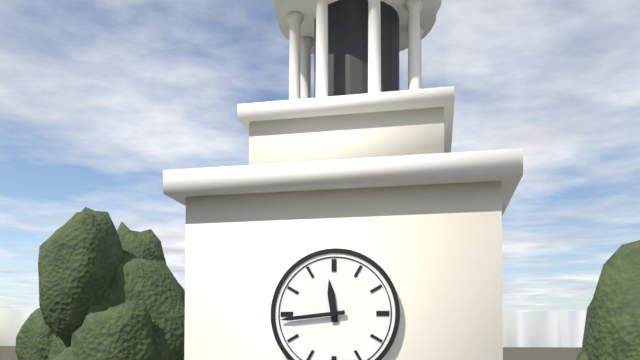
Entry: 11,44
